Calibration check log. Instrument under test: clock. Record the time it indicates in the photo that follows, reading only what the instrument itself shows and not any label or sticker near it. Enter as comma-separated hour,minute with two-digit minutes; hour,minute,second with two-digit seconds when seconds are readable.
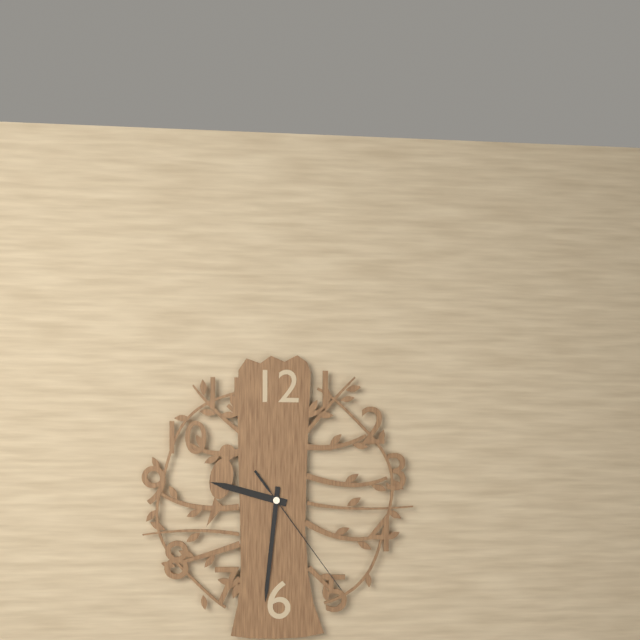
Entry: 9,31,24
